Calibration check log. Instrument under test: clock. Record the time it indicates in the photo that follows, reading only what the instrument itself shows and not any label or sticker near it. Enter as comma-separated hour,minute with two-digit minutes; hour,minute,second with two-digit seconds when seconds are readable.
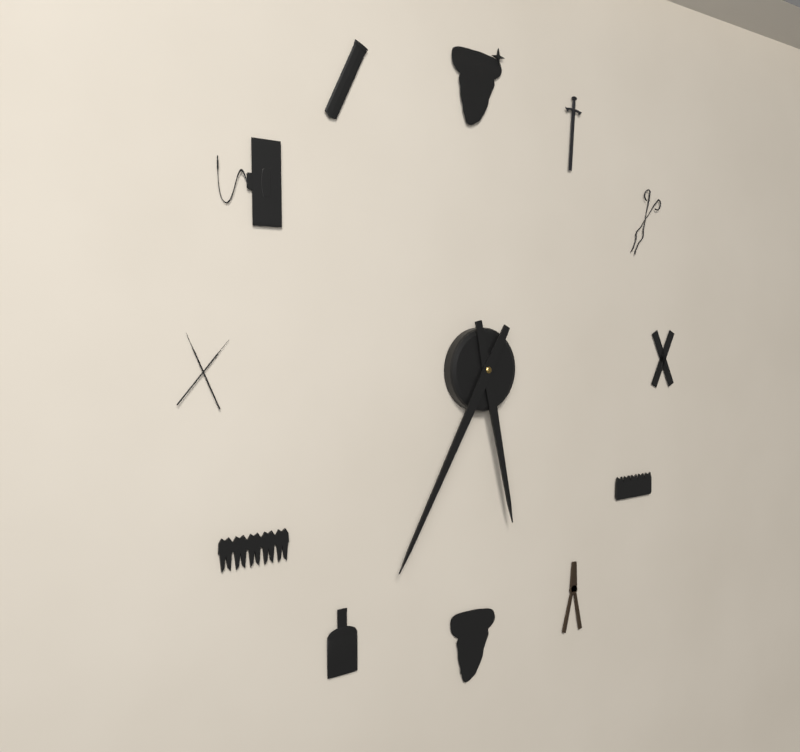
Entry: 5,35
